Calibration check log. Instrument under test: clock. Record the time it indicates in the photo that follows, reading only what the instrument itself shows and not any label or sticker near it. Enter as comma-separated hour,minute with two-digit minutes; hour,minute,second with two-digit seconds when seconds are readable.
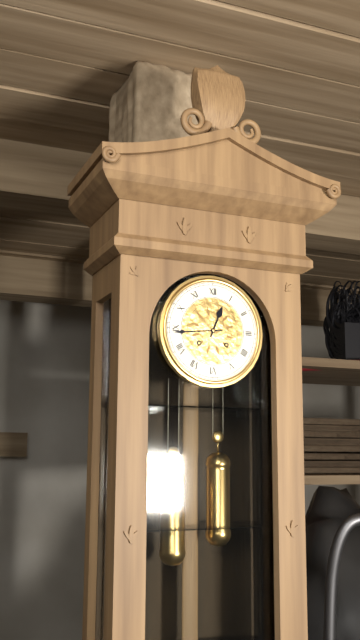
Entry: 12,44
